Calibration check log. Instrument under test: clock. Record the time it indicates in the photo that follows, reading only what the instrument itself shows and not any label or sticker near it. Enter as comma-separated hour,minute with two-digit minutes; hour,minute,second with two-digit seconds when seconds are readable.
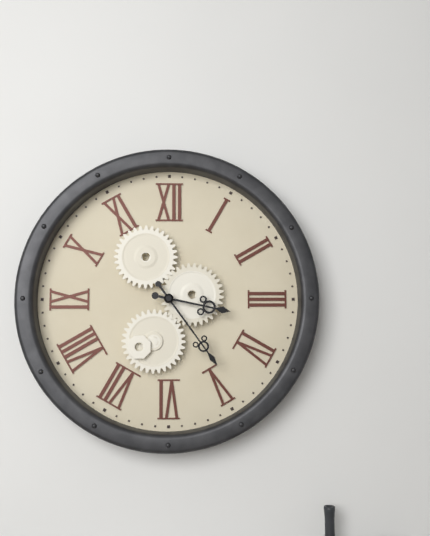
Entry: 3,24
